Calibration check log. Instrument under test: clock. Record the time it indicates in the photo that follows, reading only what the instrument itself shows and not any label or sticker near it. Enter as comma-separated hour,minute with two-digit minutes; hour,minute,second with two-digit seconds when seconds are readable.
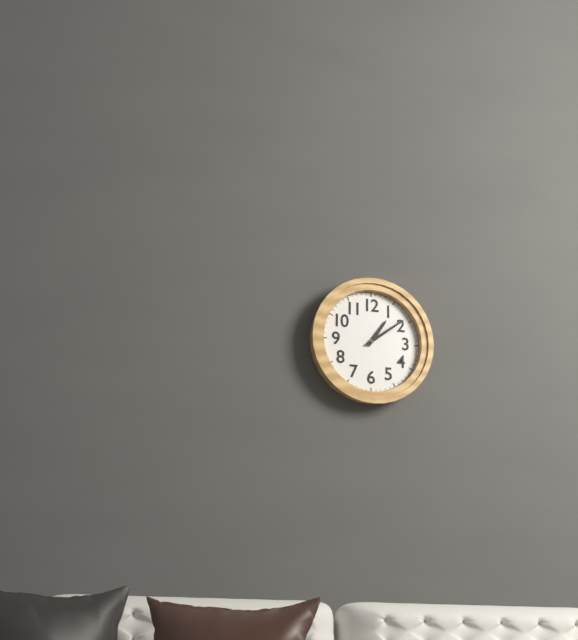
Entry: 1,09
